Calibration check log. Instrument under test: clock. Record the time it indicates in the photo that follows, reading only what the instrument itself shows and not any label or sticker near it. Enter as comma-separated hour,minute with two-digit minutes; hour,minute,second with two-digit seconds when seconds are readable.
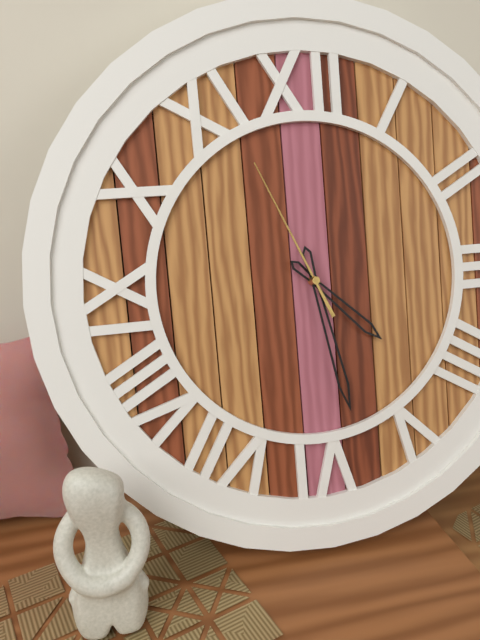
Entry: 4,28,56
